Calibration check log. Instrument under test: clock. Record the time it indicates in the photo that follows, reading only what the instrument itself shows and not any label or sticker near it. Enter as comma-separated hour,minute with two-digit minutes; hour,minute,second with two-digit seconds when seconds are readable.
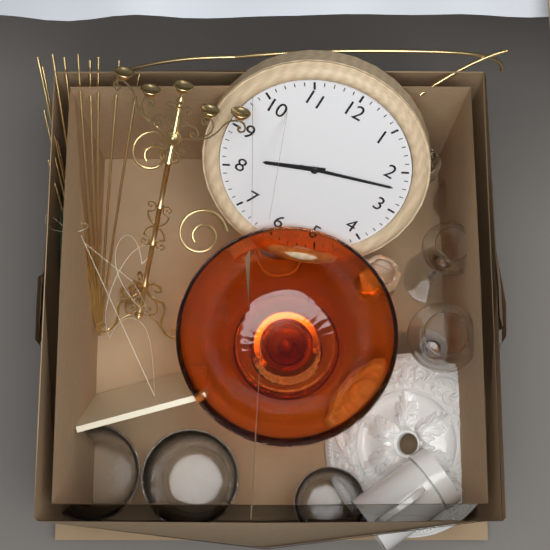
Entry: 8,12
